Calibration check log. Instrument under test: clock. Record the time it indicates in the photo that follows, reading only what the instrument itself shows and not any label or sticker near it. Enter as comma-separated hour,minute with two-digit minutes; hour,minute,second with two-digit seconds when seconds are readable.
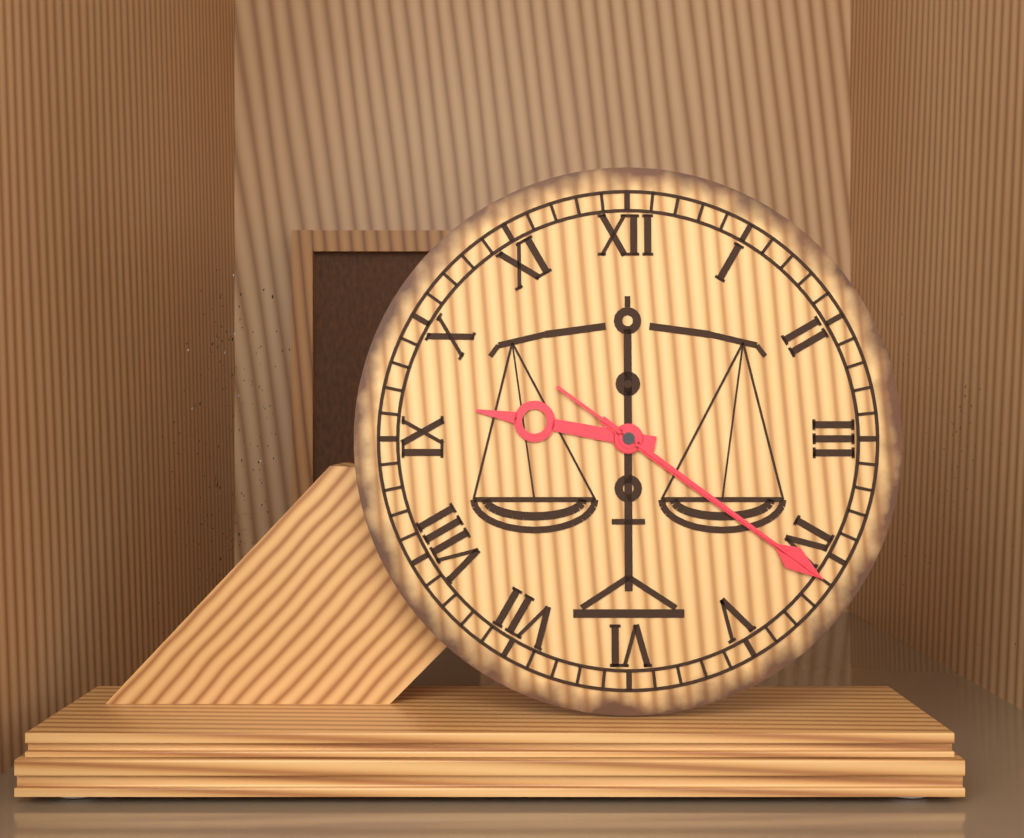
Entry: 9,21,21
